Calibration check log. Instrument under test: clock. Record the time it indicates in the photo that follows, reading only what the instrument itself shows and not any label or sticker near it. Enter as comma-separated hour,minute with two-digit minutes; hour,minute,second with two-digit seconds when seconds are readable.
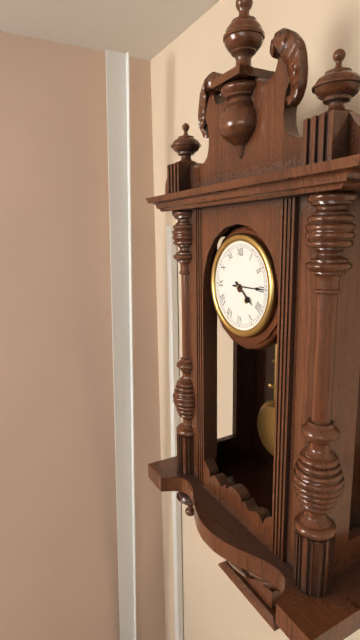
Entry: 4,15
